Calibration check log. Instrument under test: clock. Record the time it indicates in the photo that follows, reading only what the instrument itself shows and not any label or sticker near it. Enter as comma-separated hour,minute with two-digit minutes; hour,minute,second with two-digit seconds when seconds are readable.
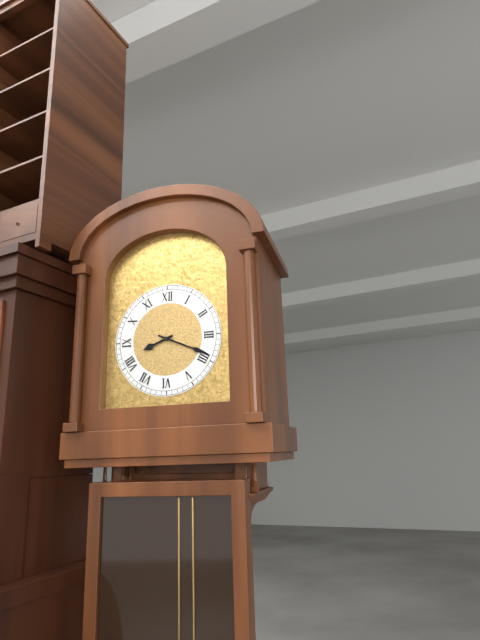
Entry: 8,19
